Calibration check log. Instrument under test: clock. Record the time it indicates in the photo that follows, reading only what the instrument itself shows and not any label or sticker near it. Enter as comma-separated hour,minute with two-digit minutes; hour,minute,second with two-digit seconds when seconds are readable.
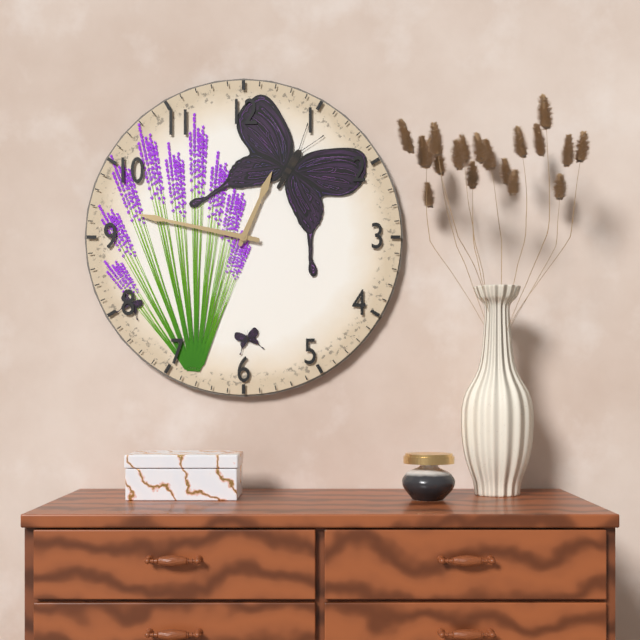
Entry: 12,47
